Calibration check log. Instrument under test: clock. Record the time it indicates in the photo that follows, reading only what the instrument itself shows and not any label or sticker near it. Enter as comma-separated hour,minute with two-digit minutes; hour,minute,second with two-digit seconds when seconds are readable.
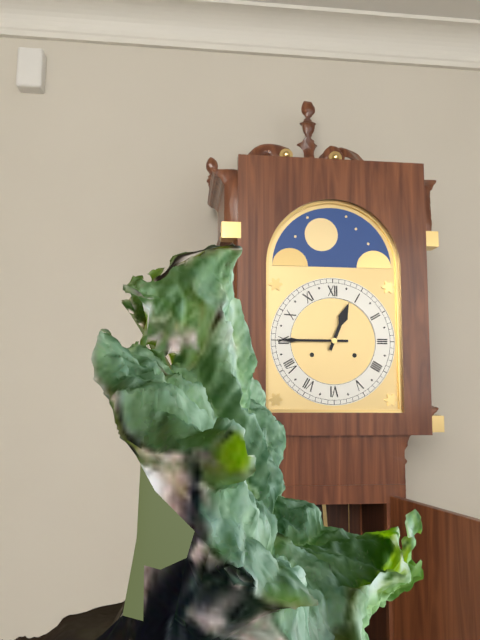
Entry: 12,45
